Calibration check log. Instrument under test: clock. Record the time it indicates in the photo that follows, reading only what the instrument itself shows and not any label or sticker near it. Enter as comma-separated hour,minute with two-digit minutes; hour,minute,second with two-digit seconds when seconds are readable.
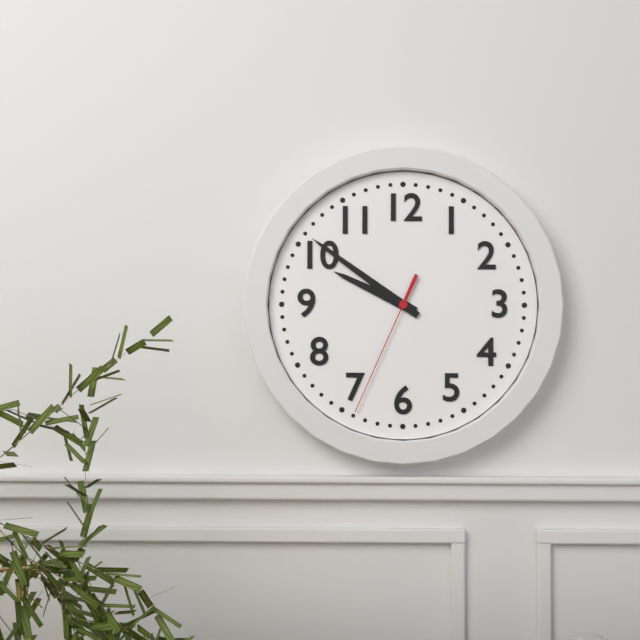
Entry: 9,51,34
